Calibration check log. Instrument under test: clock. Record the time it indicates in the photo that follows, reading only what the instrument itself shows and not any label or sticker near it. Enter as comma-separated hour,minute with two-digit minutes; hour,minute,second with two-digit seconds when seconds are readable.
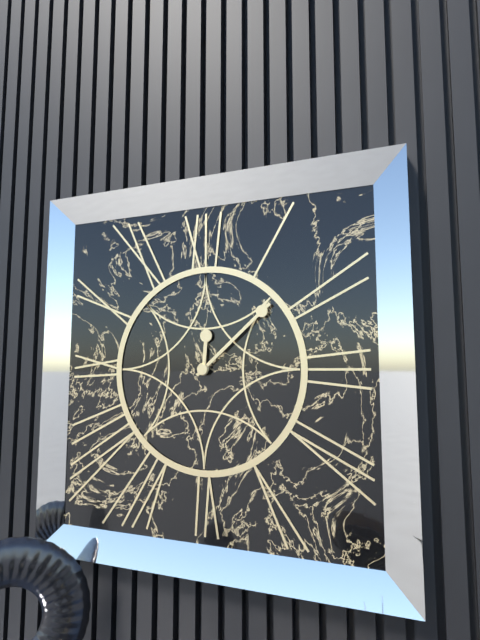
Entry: 12,08
